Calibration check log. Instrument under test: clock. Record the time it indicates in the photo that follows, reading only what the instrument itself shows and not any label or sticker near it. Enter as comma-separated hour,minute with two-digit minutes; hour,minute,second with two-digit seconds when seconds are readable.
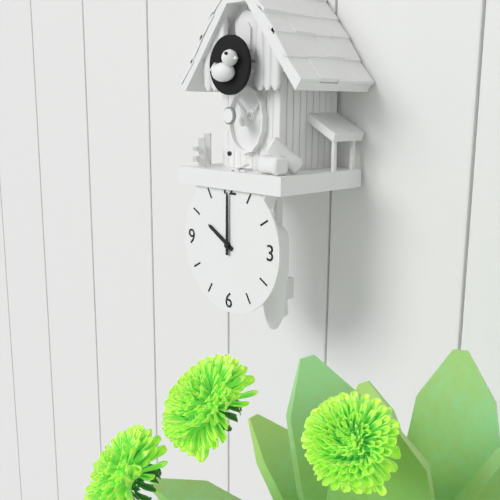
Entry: 10,00
